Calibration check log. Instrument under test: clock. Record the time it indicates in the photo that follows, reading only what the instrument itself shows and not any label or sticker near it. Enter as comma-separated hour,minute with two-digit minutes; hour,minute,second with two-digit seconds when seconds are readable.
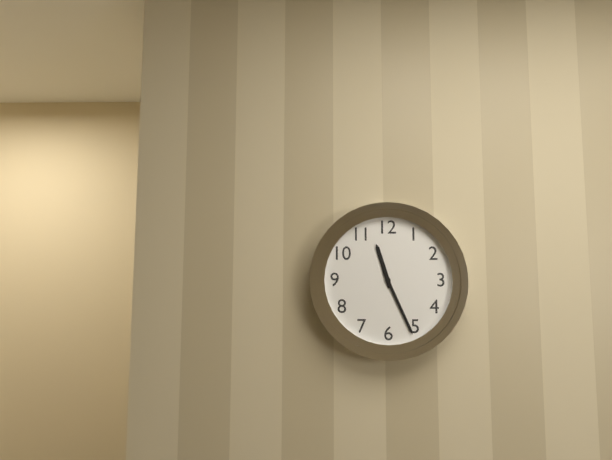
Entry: 11,26
